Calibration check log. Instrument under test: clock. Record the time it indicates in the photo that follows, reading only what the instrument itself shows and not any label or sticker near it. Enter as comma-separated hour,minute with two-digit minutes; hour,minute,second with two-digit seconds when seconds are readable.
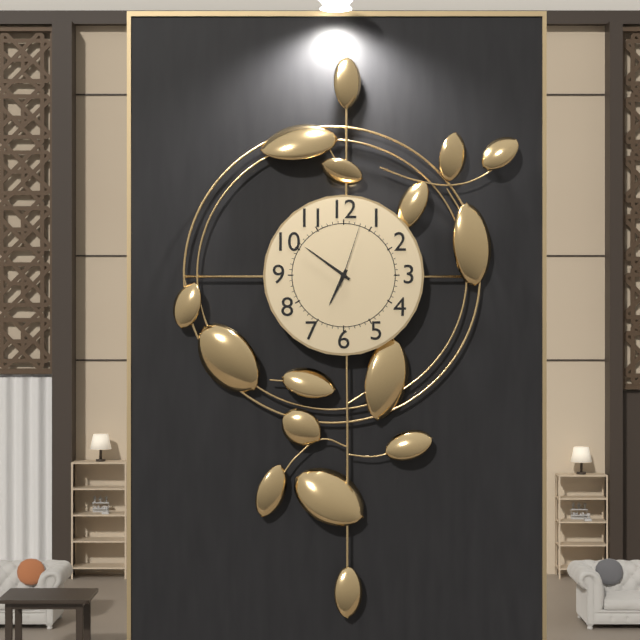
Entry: 6,51,03
